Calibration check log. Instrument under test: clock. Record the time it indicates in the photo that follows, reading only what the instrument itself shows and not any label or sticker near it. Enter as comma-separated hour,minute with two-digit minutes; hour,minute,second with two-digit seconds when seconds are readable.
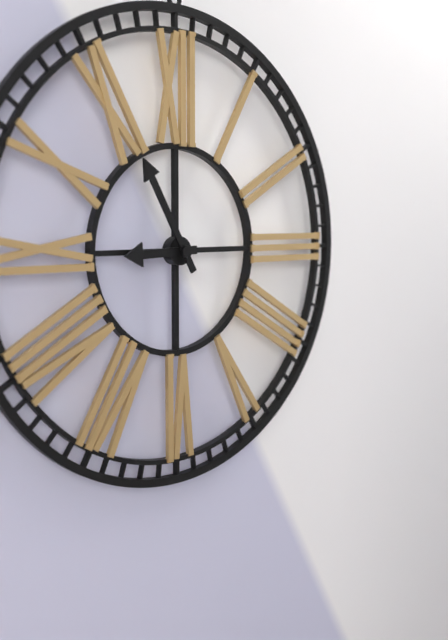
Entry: 8,55
